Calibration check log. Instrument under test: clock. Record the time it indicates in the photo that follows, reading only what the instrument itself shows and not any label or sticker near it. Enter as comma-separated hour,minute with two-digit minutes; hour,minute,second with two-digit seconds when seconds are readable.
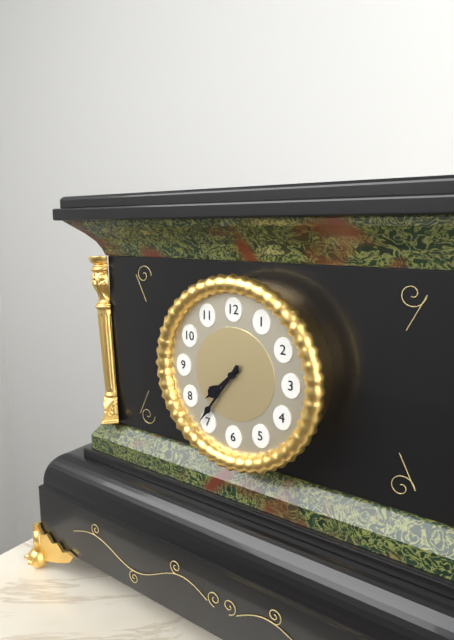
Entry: 7,36
